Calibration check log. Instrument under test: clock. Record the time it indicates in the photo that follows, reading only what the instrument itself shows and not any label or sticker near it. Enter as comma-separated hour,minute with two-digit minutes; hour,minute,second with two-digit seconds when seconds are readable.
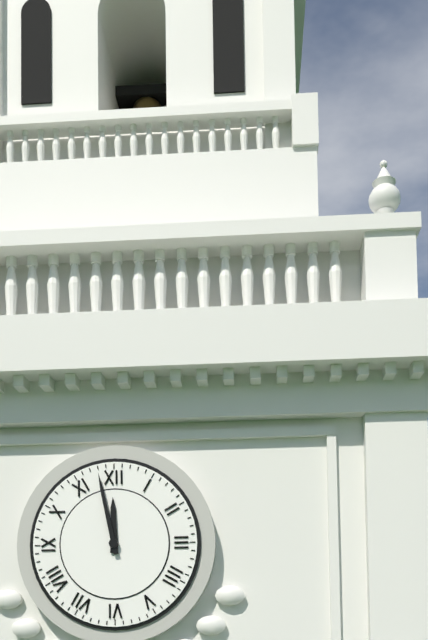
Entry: 11,58
